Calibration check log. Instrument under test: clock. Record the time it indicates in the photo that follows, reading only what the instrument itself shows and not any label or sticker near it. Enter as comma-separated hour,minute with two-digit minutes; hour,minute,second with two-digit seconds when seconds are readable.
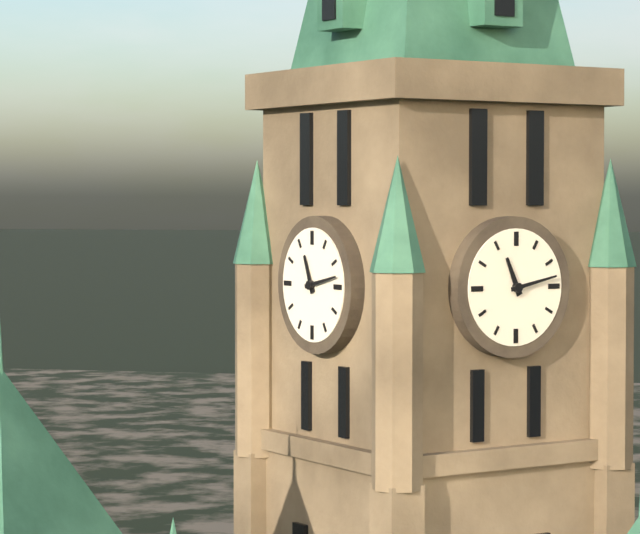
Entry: 11,13
